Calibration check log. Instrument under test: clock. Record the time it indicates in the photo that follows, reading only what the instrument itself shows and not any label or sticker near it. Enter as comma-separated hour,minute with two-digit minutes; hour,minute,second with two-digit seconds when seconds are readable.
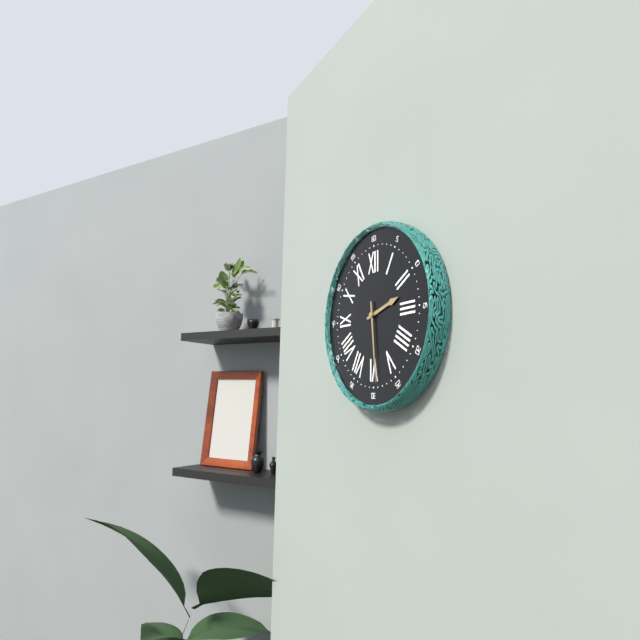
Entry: 2,29
